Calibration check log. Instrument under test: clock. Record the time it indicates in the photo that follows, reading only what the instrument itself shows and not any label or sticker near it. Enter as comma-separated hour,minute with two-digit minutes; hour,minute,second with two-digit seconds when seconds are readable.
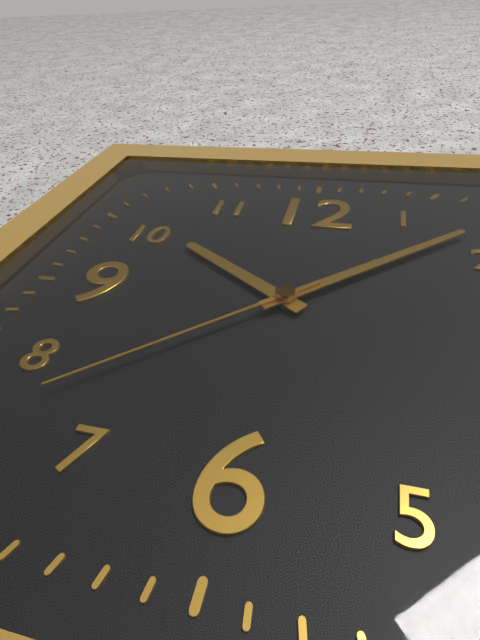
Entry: 10,08,38
